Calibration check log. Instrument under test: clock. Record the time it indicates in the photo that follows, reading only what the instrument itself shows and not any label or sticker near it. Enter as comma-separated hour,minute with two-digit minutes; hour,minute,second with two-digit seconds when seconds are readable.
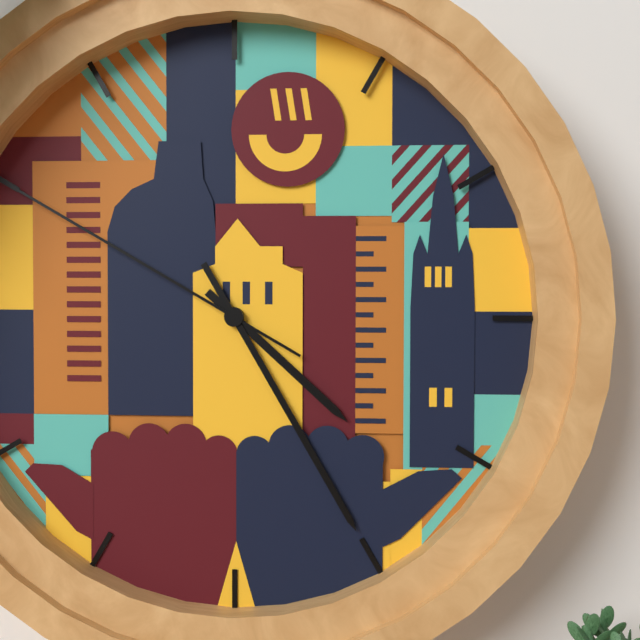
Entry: 4,25,50
